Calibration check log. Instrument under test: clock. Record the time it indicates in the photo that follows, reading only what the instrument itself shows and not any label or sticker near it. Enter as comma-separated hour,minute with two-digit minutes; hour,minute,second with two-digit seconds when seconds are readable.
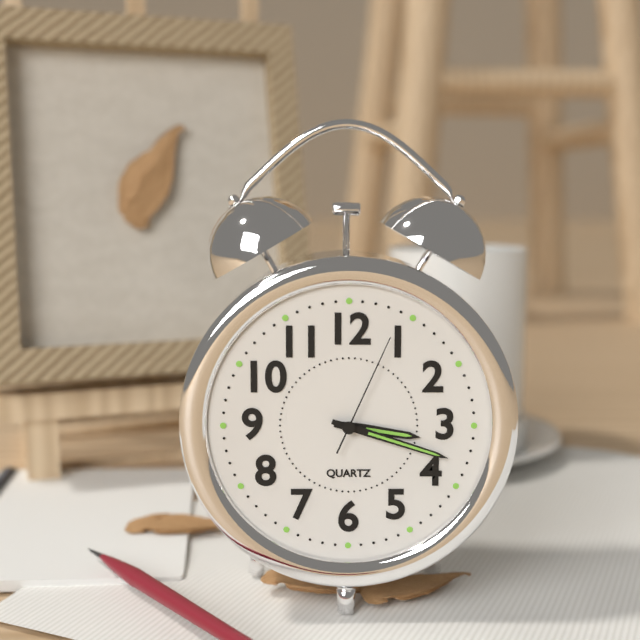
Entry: 3,18,04
